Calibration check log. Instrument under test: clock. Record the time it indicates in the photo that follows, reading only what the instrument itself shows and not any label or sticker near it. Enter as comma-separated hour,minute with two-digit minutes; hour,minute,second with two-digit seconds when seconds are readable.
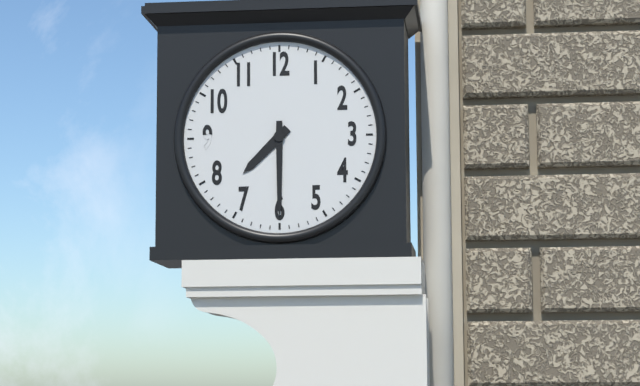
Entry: 7,30
